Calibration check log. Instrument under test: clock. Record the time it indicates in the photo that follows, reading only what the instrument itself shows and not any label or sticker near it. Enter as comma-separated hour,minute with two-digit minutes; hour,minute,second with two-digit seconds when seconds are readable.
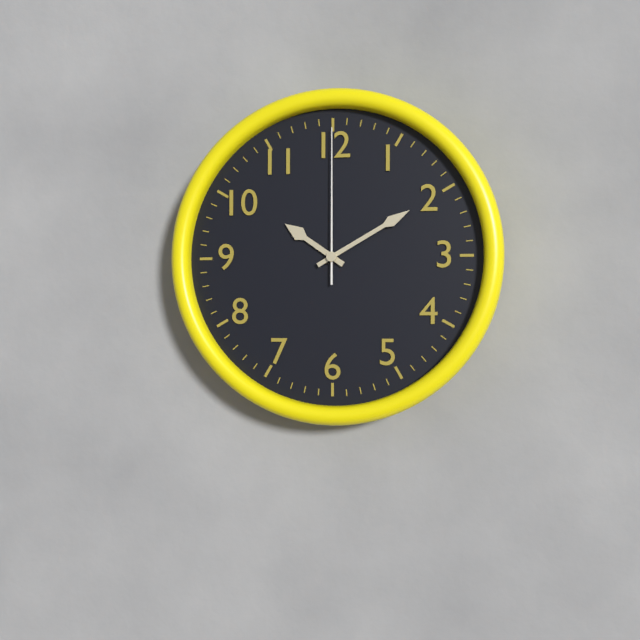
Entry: 10,10,00
